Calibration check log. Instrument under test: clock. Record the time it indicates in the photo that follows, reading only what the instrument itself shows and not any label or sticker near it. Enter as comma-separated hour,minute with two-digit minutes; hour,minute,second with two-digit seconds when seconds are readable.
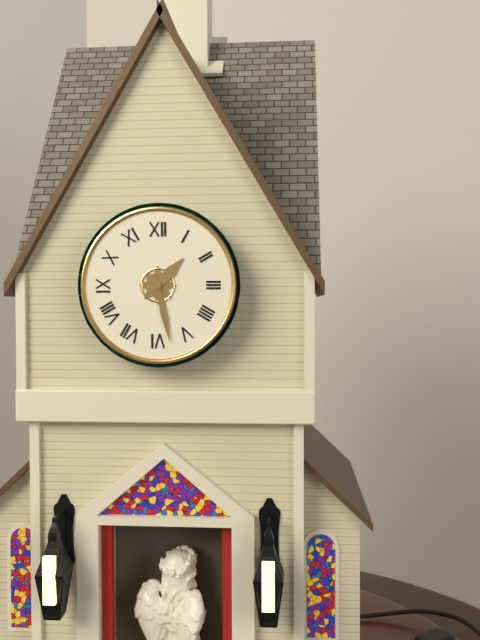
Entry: 1,28
